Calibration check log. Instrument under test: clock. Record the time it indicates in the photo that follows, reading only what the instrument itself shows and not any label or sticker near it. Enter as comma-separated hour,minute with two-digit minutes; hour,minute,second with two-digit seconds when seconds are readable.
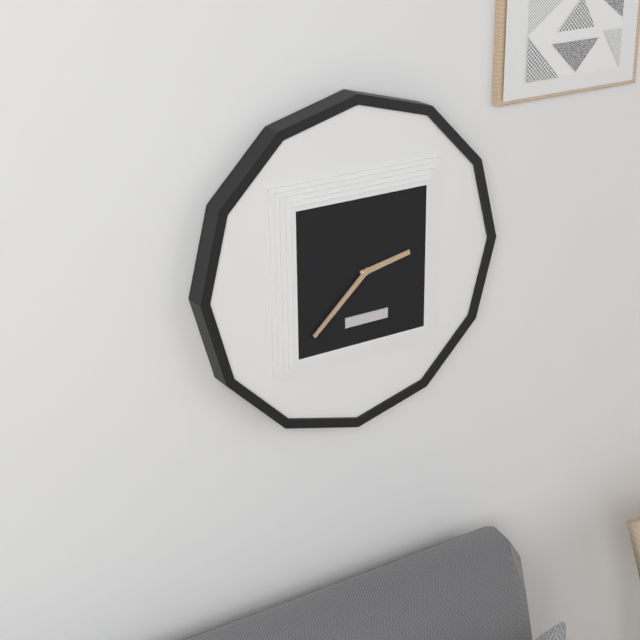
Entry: 2,38
